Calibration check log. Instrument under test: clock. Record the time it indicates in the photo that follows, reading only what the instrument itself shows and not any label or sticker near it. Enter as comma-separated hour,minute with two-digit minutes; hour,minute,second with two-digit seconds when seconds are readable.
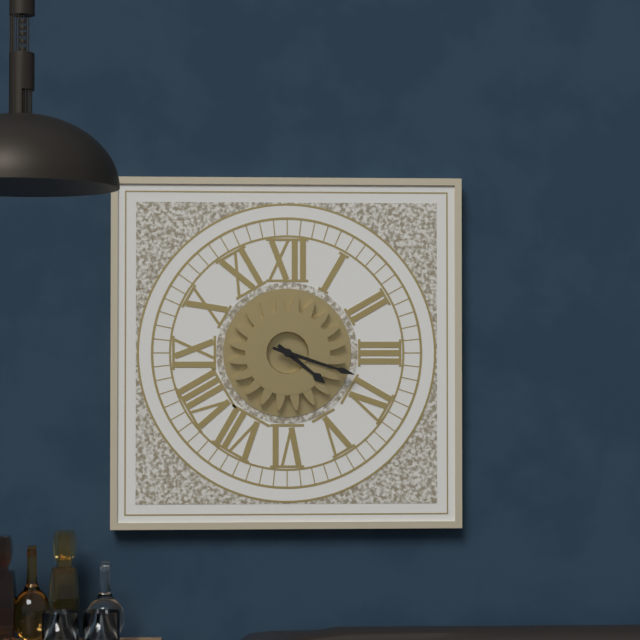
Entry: 4,18
